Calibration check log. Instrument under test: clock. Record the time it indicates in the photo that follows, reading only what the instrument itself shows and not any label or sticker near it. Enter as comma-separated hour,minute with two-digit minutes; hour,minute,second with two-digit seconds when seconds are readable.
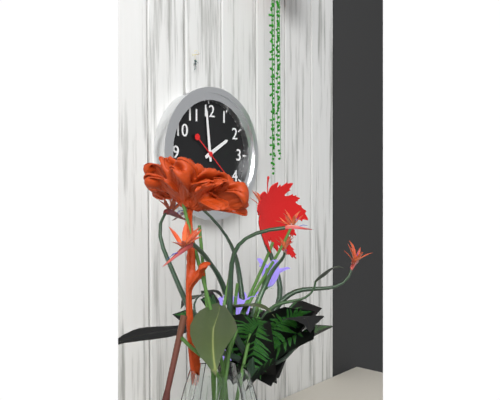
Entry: 1,59
